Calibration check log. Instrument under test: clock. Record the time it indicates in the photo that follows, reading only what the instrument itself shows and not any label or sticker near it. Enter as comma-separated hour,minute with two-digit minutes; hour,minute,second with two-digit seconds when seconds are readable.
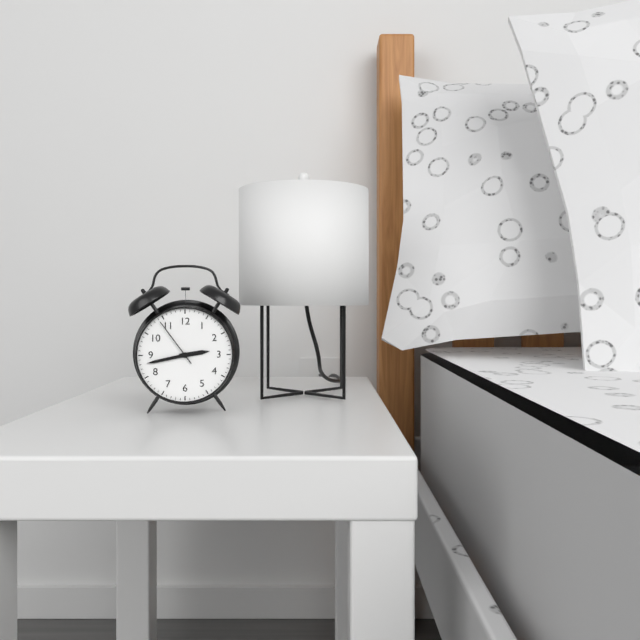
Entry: 2,43,54
